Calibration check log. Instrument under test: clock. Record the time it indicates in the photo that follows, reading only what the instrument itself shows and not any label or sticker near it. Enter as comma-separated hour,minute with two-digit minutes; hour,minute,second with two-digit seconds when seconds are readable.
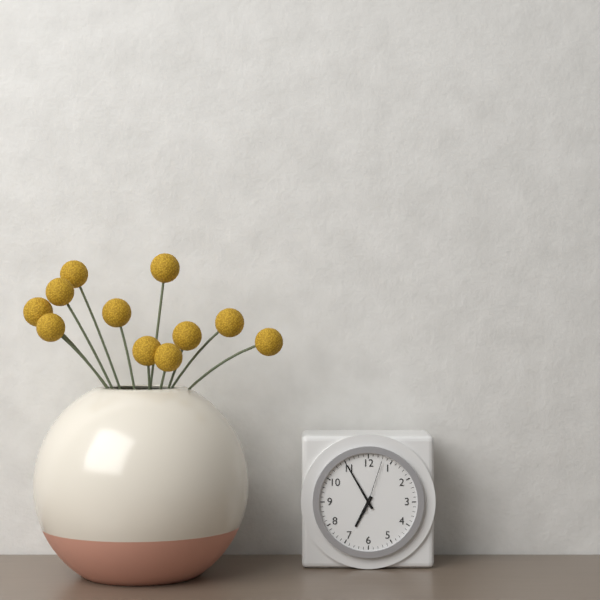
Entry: 6,55,03
